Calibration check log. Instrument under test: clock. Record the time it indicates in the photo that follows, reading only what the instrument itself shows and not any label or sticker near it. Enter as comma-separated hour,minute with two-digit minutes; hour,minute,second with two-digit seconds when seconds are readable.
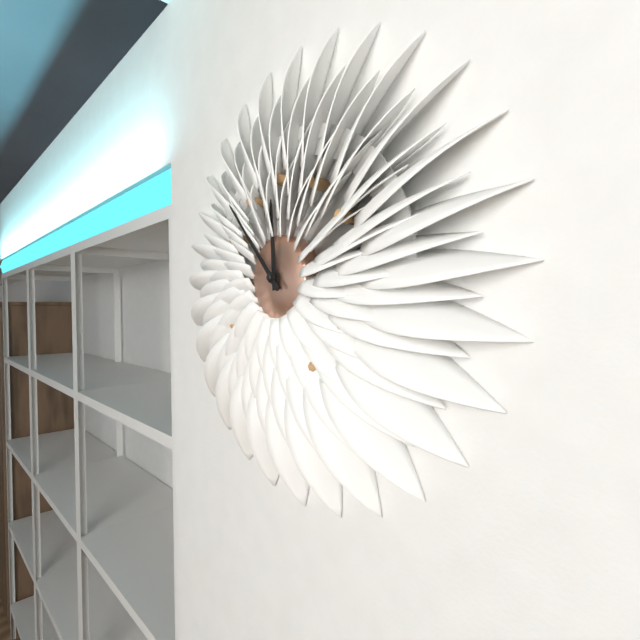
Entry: 11,53
